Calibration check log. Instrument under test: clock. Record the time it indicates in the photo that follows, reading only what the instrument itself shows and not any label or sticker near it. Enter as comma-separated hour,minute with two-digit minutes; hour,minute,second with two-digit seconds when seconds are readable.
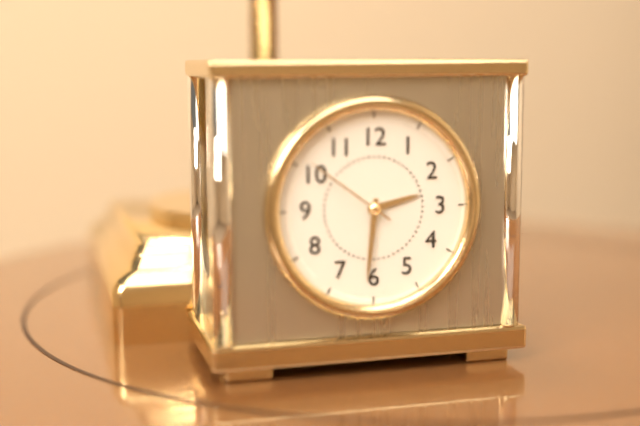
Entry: 2,31,51
